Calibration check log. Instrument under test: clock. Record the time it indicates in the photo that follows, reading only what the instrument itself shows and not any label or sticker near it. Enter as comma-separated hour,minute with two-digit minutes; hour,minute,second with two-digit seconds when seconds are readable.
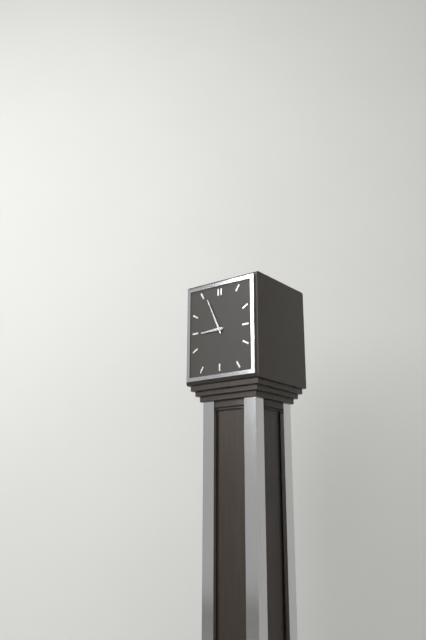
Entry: 8,56
